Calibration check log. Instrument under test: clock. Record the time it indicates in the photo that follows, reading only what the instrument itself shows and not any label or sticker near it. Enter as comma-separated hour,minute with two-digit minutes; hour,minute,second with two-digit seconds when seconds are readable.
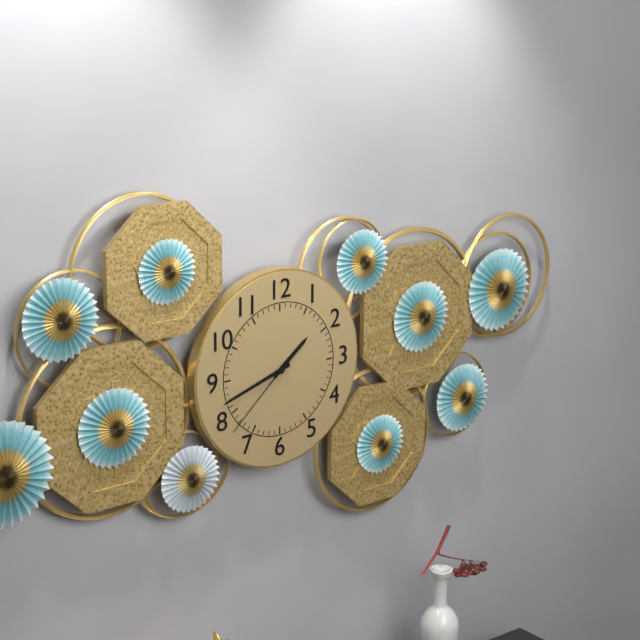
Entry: 1,42,38
